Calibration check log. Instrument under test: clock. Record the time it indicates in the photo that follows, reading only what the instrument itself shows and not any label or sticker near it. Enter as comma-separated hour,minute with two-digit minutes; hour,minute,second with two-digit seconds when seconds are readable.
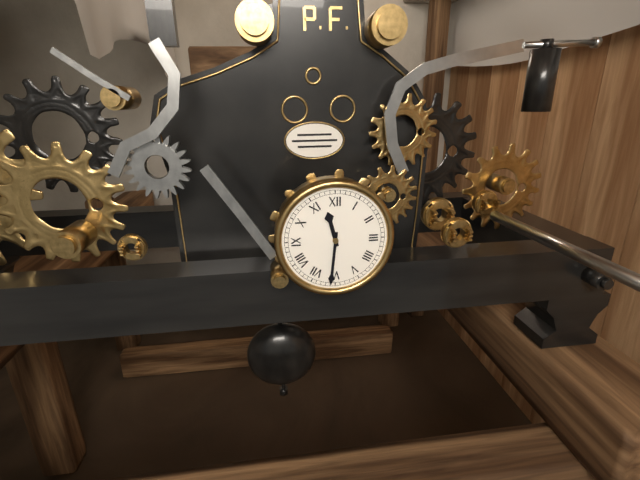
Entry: 11,31
